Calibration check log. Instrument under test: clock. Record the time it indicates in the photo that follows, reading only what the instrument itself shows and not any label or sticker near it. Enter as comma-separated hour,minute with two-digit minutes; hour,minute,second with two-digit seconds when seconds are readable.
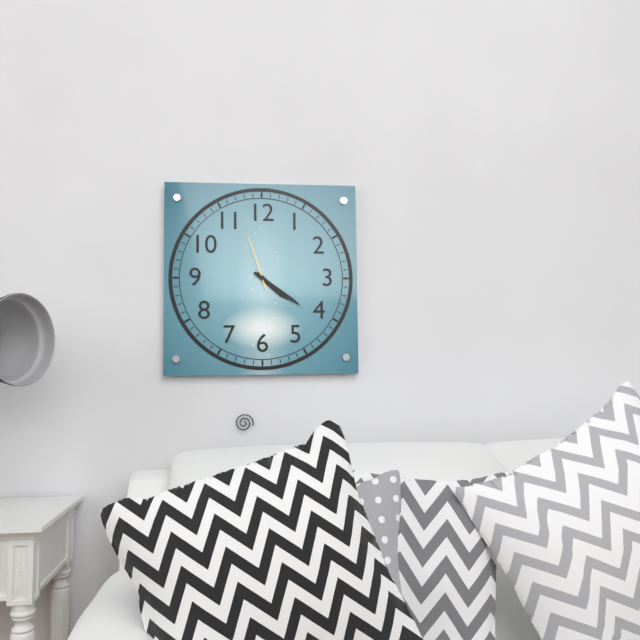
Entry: 4,21,57
